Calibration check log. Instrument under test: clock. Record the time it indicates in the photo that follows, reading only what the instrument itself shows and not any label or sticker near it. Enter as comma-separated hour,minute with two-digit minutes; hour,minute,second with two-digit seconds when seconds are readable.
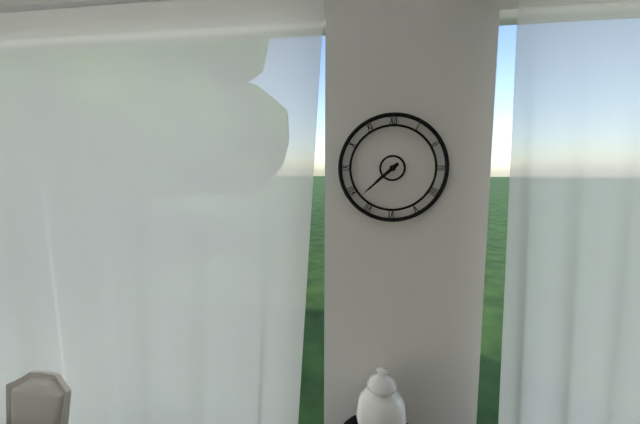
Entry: 7,38
